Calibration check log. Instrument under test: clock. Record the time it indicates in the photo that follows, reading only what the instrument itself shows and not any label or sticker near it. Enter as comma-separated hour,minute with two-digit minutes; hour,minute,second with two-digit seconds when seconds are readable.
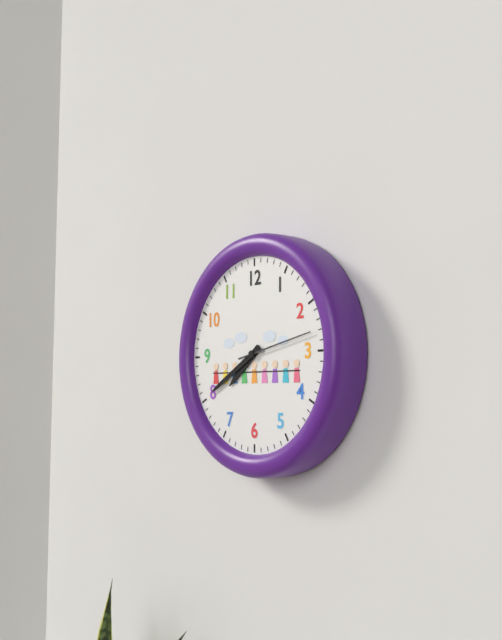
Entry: 7,40,13
